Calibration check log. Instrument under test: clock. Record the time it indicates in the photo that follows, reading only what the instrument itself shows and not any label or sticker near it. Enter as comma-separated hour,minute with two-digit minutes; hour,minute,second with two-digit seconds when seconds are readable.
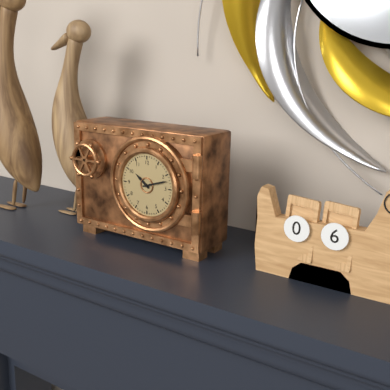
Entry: 10,12
